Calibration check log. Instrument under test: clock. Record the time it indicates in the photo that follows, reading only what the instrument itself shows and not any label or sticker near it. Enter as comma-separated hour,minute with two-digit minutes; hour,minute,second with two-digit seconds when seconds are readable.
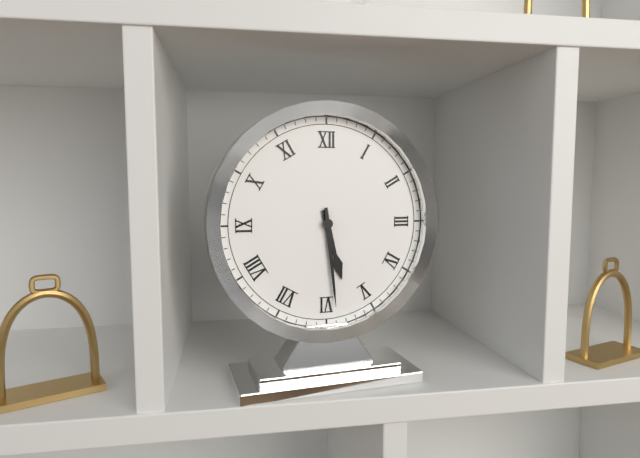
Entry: 5,29
